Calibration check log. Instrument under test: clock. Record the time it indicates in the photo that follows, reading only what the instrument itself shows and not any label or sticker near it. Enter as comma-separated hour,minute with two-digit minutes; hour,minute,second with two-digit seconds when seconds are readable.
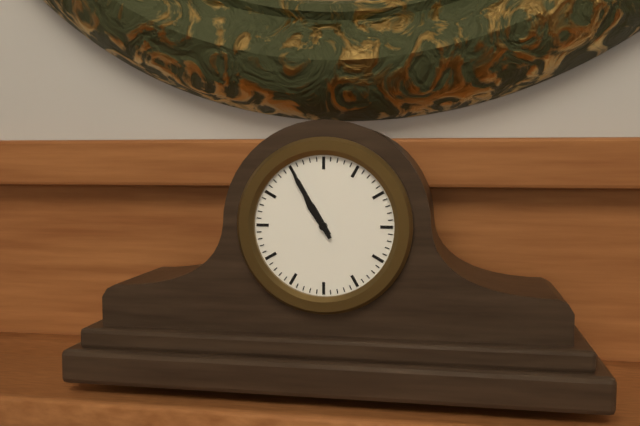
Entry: 10,55
